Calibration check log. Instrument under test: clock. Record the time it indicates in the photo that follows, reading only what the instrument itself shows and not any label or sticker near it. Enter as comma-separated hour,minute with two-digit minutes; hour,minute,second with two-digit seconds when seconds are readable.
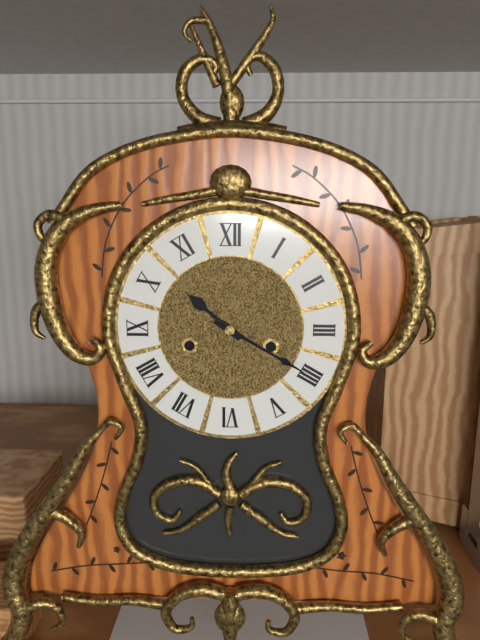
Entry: 10,20
